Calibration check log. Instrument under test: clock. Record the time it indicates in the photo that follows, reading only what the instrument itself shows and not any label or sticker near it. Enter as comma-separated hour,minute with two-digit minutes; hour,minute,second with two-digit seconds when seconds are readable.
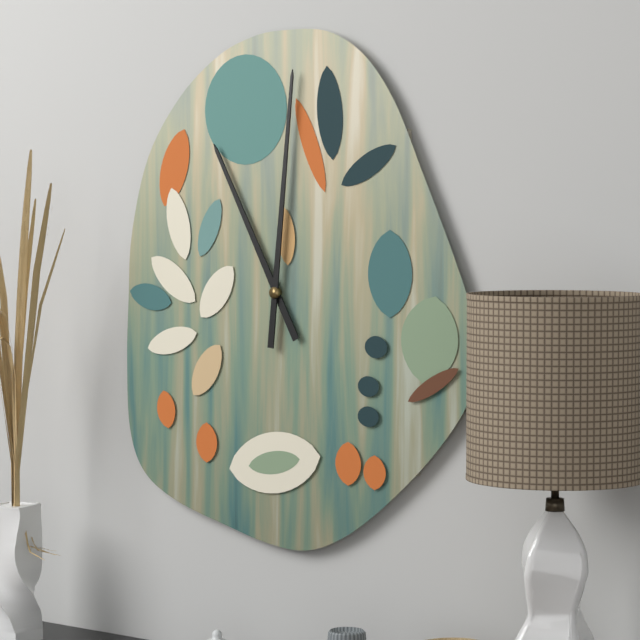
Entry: 11,01
